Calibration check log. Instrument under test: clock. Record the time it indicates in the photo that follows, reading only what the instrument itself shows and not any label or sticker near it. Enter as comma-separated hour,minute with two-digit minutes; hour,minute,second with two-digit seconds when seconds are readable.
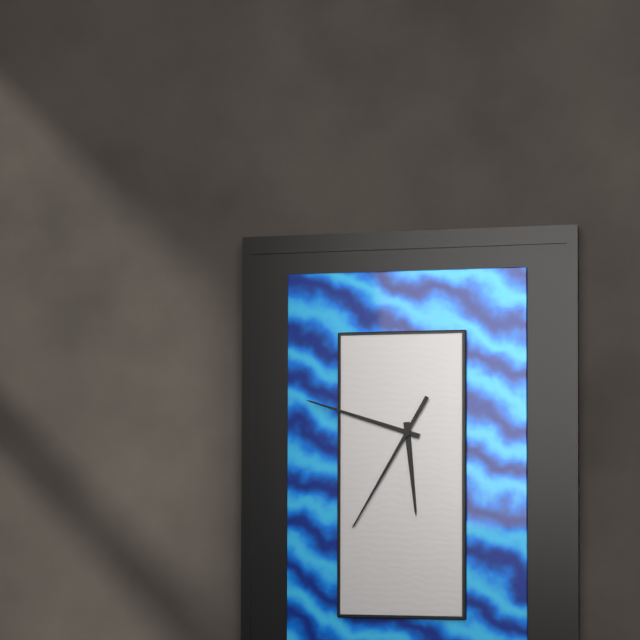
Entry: 5,48,35
